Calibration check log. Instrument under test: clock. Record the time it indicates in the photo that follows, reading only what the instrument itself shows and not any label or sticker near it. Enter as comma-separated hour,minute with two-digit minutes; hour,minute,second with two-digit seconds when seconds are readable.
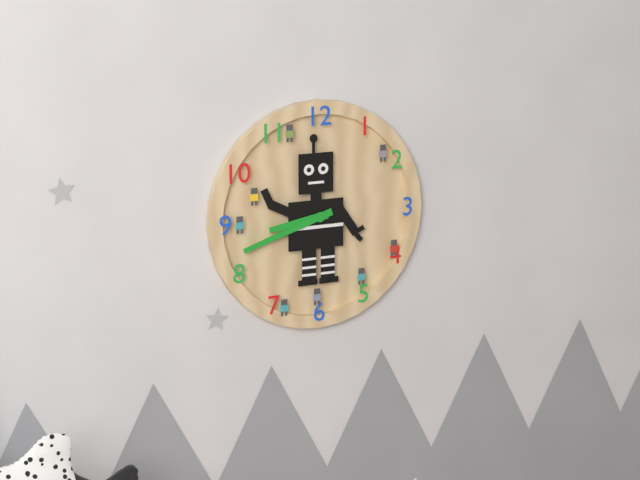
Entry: 8,42
